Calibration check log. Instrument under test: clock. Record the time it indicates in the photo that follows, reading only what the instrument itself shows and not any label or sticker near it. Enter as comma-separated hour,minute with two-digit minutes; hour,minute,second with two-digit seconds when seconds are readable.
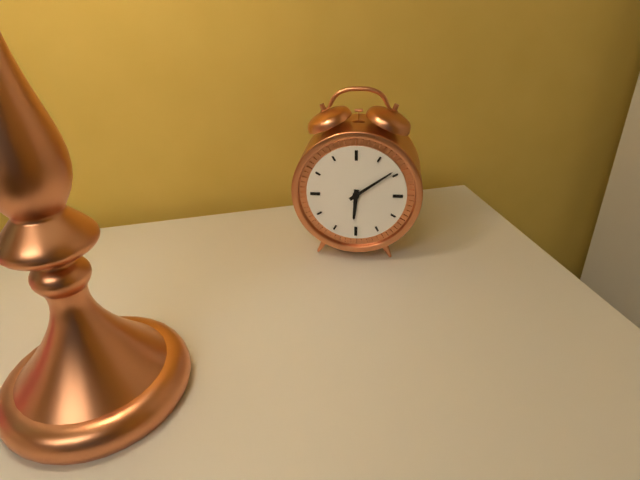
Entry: 6,09
